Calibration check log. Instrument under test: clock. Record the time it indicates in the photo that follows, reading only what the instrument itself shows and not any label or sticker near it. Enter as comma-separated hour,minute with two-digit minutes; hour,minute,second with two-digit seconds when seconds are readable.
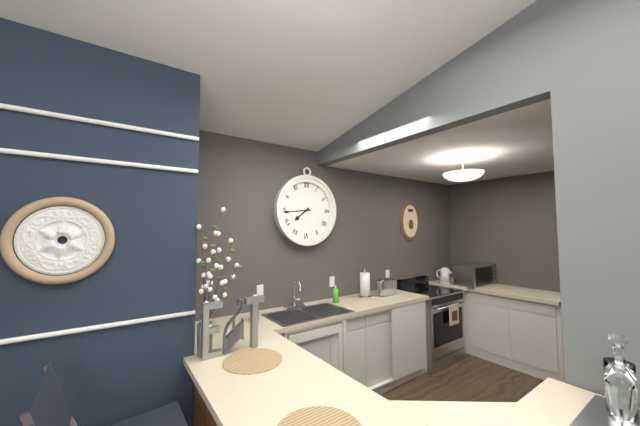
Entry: 7,44
